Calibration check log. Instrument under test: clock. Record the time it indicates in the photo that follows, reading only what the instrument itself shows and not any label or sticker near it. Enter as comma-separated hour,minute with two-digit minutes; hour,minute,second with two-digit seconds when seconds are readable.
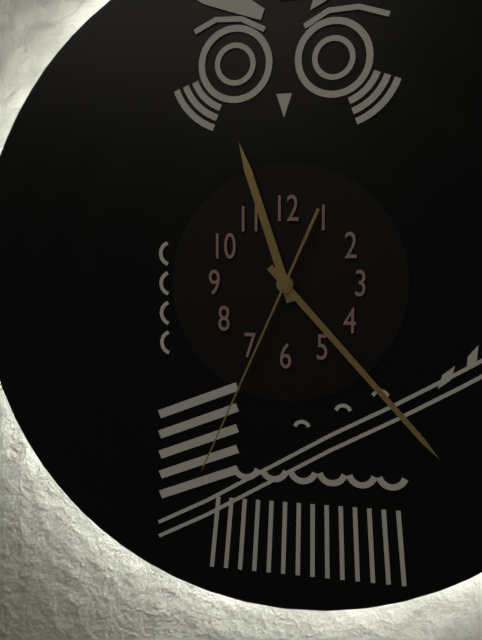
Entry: 11,23,34
